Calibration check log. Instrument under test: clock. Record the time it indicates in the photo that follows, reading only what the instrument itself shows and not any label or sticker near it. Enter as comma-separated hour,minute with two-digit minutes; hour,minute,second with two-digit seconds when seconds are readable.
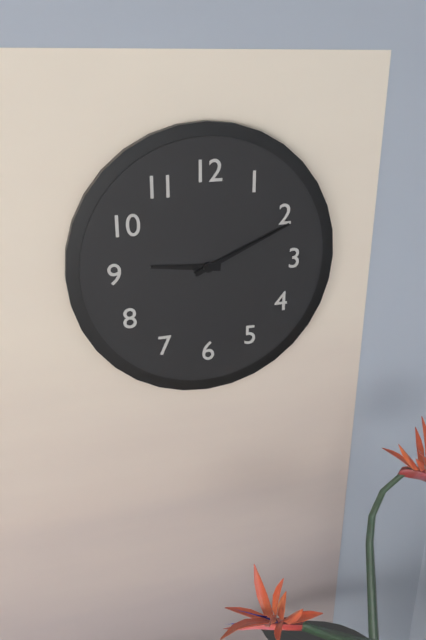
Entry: 9,11
